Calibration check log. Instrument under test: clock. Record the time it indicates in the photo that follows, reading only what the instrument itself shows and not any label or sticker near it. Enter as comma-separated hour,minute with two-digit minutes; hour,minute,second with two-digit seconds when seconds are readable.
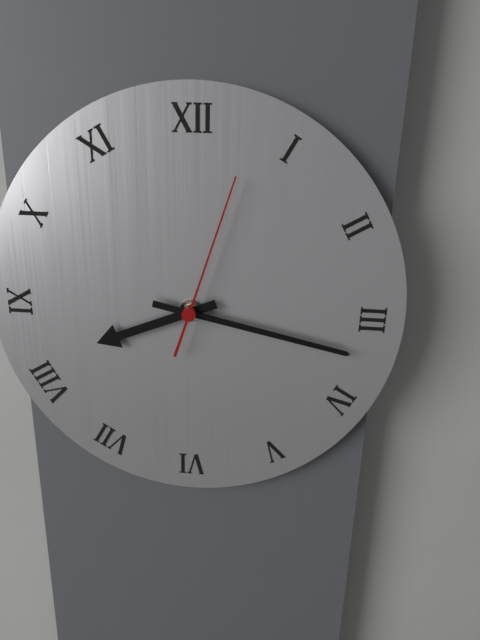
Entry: 8,17,03
